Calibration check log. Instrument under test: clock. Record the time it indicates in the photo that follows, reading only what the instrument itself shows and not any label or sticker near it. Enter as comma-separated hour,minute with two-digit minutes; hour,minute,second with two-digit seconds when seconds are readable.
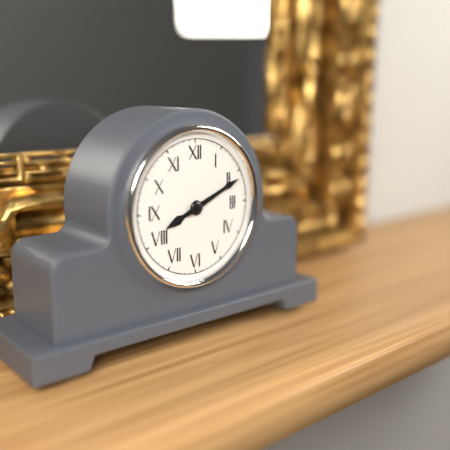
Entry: 8,11
